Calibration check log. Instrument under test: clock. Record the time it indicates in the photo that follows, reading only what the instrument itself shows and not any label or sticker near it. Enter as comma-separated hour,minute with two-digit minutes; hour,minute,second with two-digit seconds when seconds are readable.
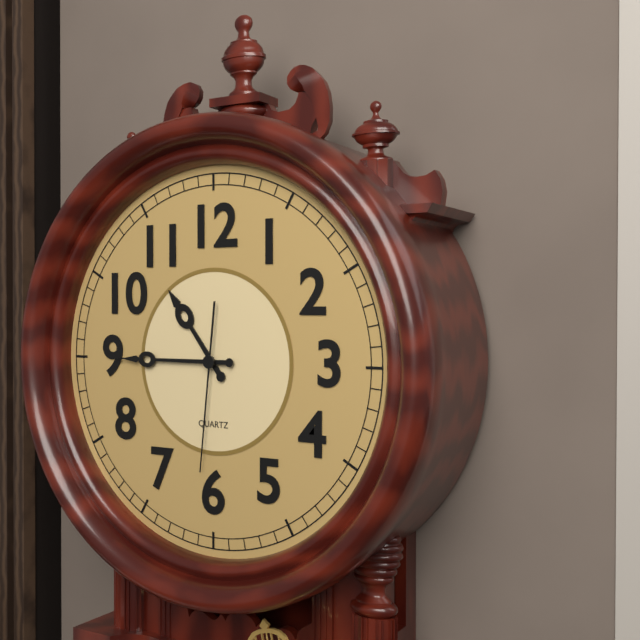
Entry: 10,45,31
